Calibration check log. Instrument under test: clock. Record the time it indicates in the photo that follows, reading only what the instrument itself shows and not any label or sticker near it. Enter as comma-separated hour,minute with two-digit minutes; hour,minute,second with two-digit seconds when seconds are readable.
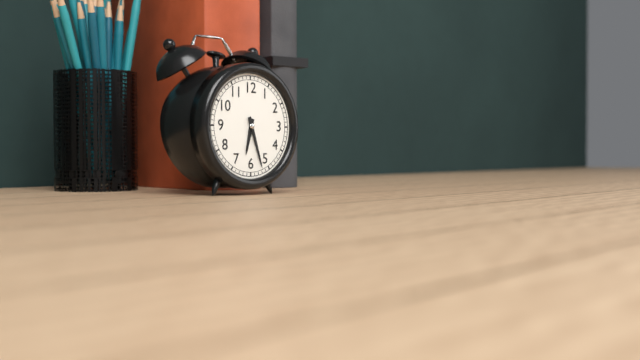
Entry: 6,27
